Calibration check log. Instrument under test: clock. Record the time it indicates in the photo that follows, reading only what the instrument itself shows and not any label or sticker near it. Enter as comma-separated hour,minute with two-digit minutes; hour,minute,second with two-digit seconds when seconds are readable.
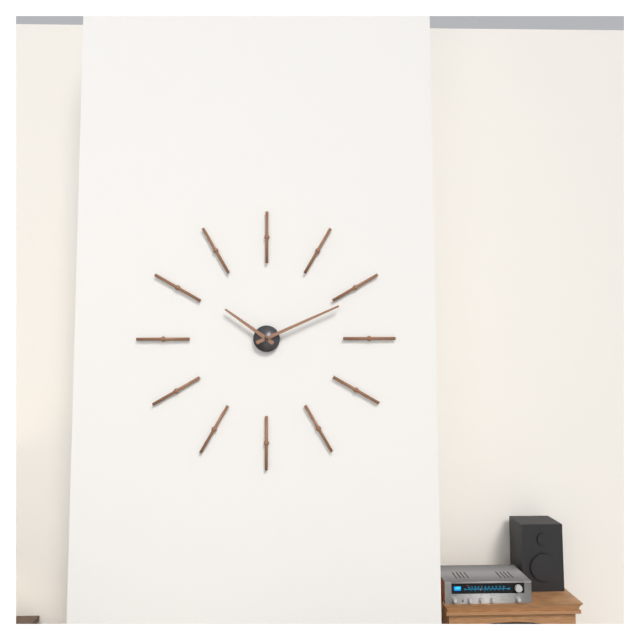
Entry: 10,11
